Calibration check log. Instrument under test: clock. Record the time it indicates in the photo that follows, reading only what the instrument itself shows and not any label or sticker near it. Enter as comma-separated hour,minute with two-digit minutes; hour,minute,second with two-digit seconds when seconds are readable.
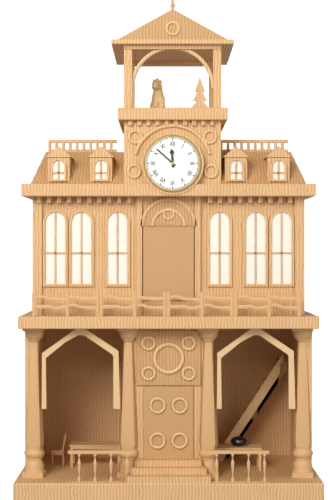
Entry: 11,52
